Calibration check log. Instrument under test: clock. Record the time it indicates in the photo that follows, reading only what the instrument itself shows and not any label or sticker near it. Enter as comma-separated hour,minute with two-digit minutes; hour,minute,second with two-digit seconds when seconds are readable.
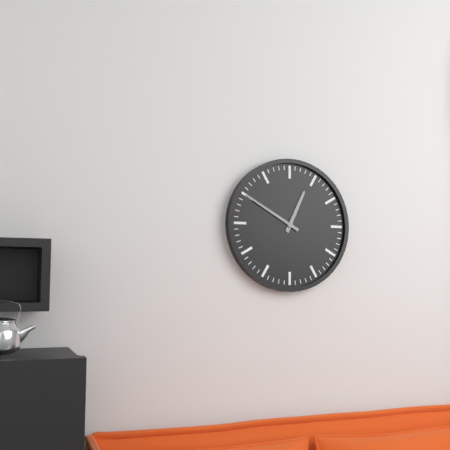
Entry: 12,50
